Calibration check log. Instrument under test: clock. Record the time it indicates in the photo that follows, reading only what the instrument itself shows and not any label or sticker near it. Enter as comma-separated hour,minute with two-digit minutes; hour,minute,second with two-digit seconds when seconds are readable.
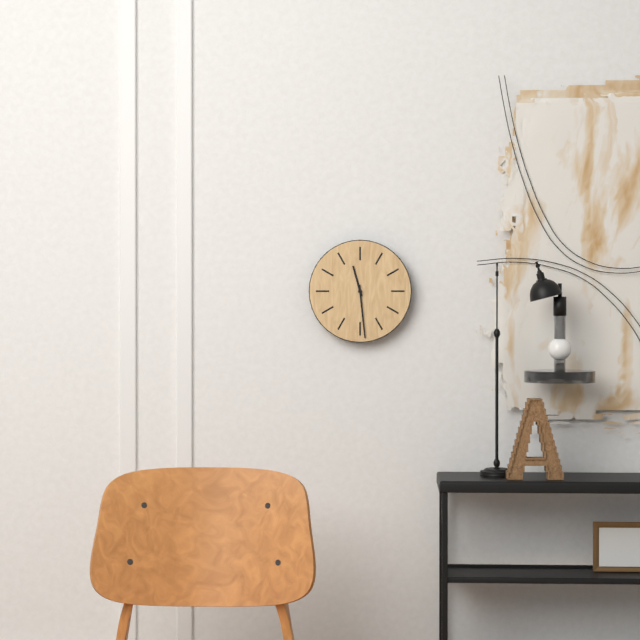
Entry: 11,29
